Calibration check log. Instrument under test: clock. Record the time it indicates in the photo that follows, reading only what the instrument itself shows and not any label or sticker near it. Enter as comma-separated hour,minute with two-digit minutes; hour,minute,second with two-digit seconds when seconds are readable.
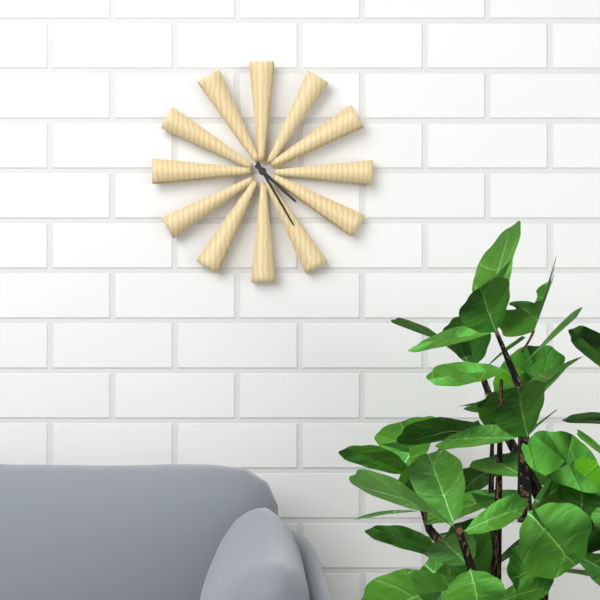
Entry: 4,25
